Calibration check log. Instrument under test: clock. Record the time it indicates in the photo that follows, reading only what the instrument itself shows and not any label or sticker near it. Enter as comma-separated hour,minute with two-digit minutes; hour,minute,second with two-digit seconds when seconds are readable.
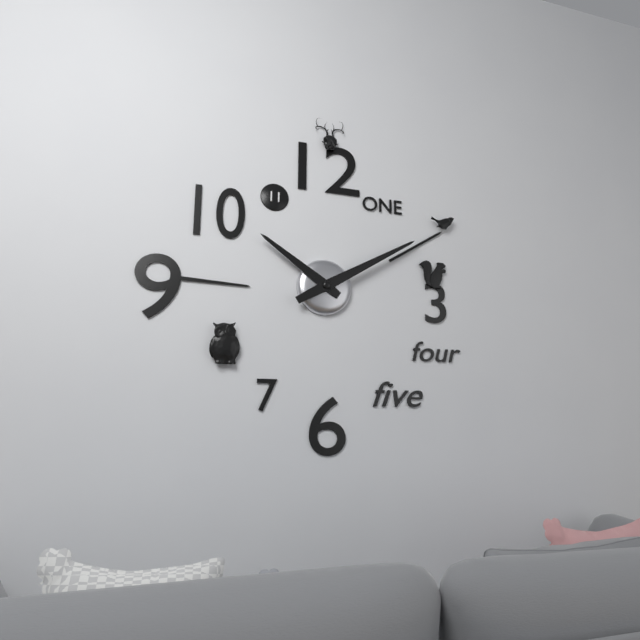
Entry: 10,10
